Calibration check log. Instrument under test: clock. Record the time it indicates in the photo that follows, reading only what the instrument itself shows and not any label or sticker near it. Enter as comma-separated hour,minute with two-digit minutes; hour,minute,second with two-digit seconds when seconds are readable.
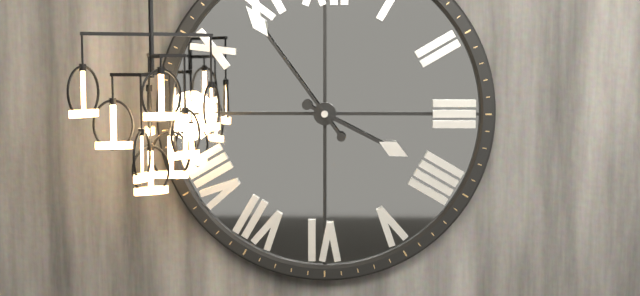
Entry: 3,54
